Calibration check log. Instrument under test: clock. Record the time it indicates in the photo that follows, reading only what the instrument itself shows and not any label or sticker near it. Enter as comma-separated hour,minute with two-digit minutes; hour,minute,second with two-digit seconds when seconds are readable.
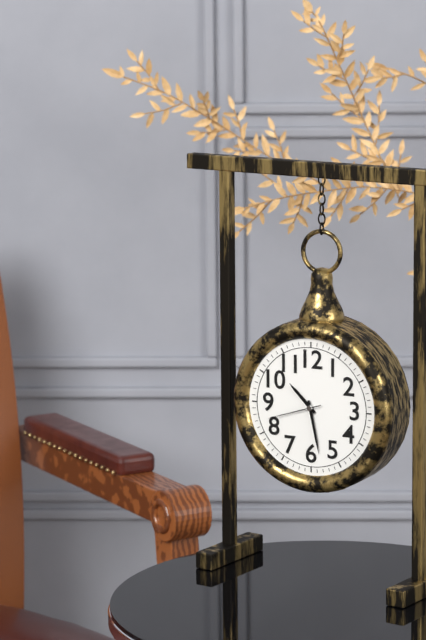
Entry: 10,28,42
